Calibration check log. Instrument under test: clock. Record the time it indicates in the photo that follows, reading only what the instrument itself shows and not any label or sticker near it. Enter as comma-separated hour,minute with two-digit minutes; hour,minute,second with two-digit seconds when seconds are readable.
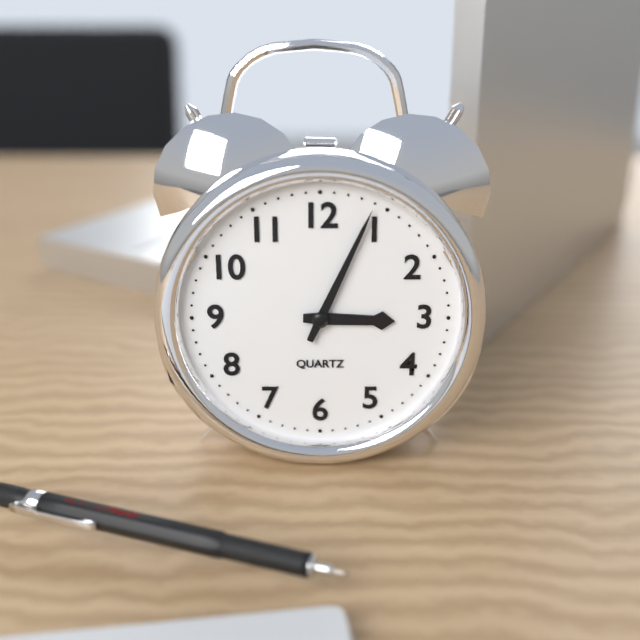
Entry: 3,04
